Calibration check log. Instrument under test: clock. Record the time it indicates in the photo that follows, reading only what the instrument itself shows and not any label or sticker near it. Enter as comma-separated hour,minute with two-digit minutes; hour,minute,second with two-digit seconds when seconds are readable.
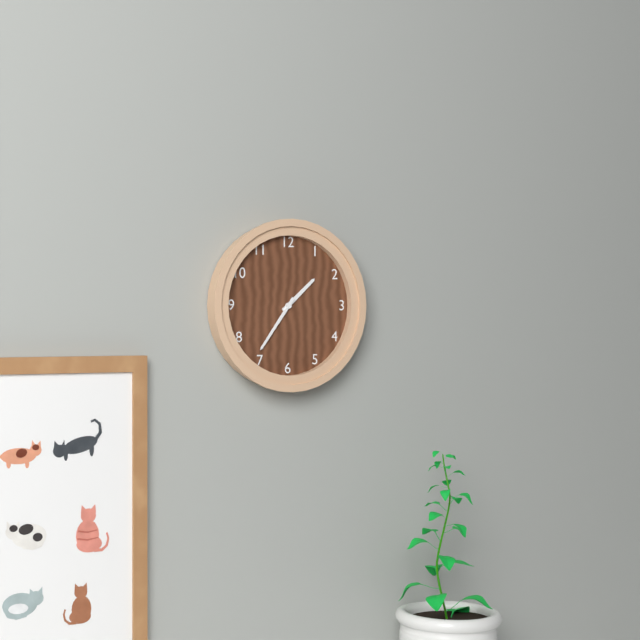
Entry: 1,36
